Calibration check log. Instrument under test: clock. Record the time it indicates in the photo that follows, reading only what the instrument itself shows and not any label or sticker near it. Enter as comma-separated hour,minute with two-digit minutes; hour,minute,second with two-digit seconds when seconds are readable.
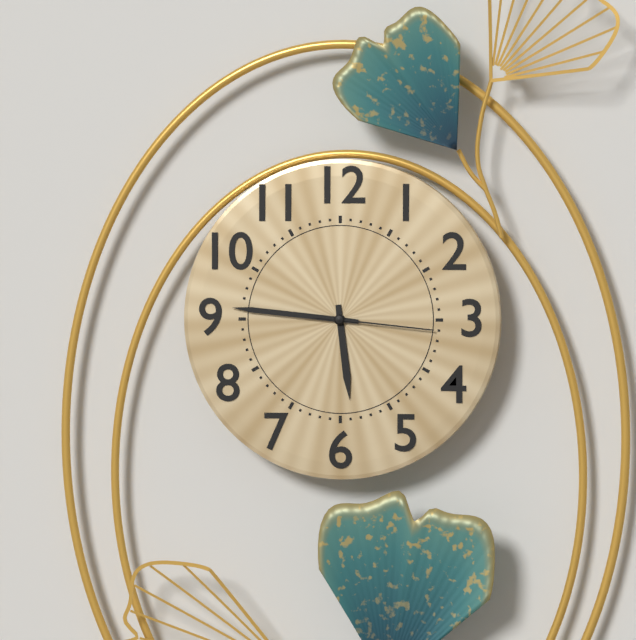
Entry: 5,46,16
